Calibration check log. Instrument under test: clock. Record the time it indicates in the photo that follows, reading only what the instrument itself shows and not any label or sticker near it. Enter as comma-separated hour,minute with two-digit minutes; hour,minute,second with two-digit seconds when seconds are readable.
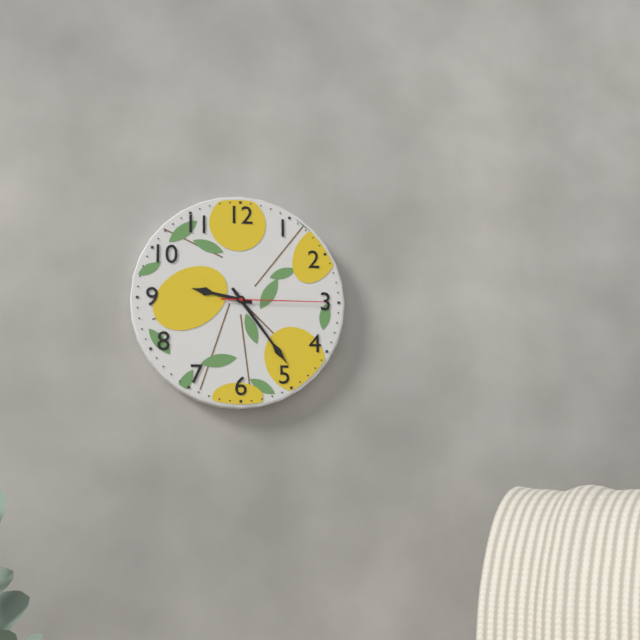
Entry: 9,24,15
